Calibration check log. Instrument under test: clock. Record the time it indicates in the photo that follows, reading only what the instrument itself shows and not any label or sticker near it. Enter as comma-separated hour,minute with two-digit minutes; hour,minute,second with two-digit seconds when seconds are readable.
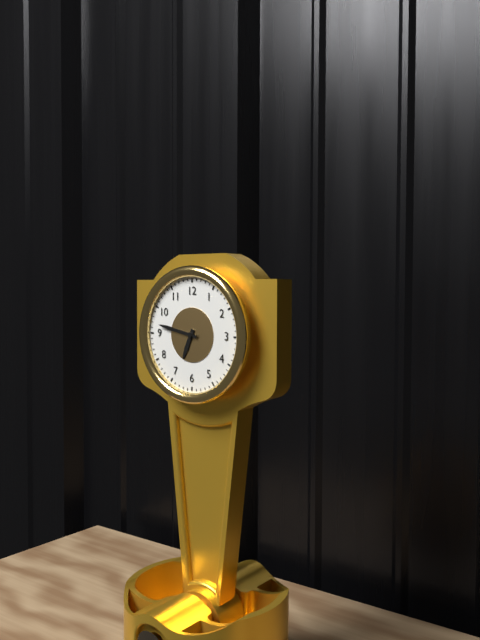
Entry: 6,47
